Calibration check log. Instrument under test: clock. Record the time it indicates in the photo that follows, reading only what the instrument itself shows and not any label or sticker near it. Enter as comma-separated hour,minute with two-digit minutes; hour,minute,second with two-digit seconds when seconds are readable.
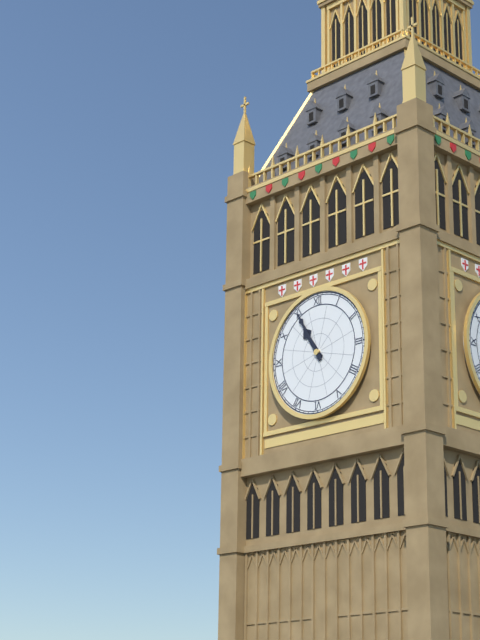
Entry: 10,55
